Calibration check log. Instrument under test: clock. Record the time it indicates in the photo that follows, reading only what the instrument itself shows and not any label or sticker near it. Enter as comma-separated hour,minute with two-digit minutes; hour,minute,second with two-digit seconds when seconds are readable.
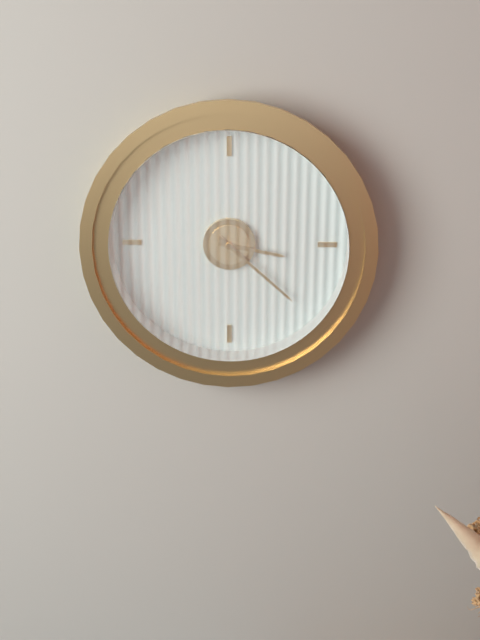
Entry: 3,22
